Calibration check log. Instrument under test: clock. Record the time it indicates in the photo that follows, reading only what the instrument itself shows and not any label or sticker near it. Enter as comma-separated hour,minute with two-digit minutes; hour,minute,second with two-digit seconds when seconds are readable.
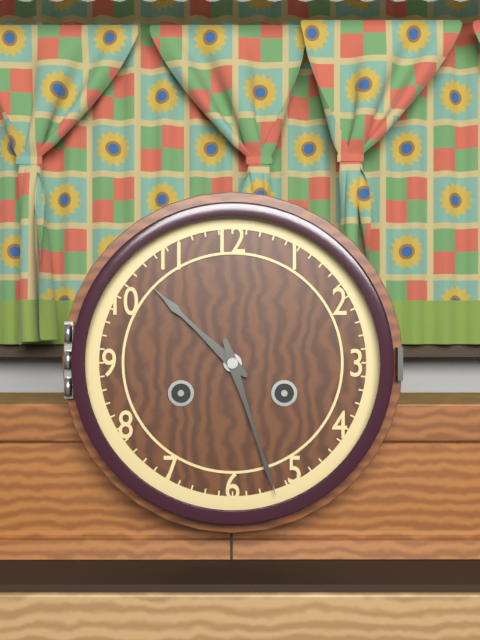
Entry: 10,27
